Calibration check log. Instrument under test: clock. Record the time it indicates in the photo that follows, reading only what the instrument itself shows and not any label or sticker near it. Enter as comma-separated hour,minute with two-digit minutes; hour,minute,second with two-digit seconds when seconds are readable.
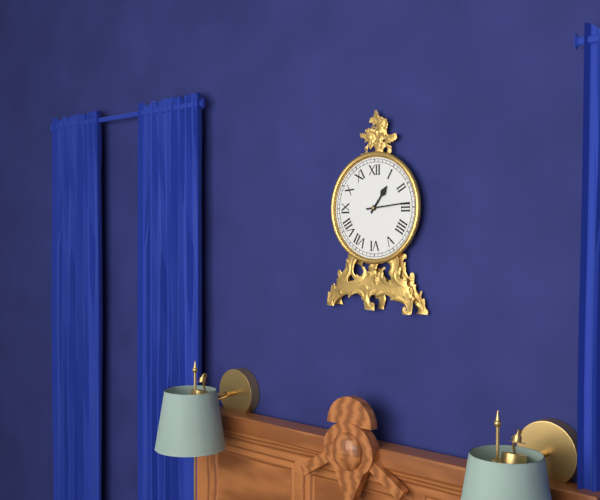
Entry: 1,14
